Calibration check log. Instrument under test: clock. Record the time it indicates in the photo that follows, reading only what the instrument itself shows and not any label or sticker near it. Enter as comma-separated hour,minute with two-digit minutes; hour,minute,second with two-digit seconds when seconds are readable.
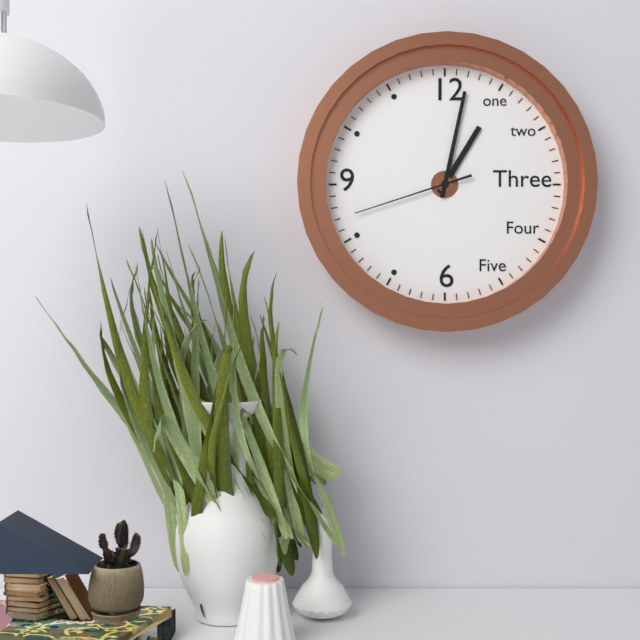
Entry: 1,02,42
